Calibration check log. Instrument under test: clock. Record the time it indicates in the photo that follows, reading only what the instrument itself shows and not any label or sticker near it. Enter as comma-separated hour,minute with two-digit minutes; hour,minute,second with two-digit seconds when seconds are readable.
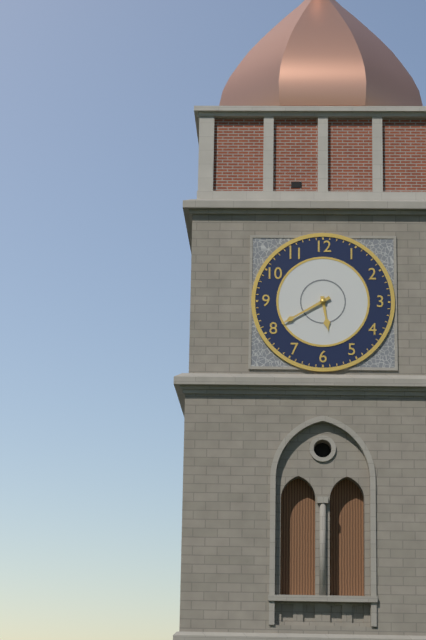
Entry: 5,40
